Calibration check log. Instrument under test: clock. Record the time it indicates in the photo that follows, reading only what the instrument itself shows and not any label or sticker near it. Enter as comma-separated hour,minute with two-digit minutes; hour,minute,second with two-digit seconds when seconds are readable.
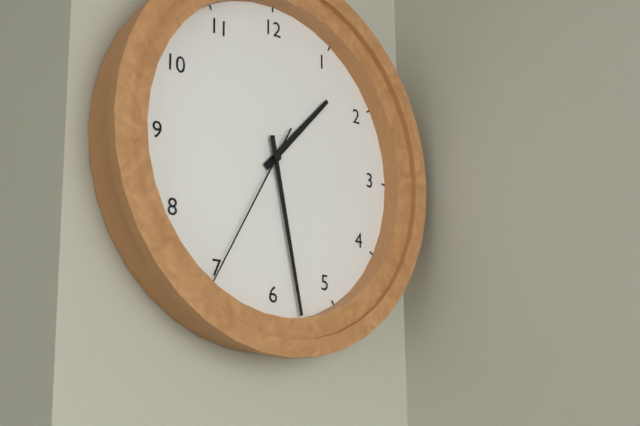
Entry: 1,28,35
